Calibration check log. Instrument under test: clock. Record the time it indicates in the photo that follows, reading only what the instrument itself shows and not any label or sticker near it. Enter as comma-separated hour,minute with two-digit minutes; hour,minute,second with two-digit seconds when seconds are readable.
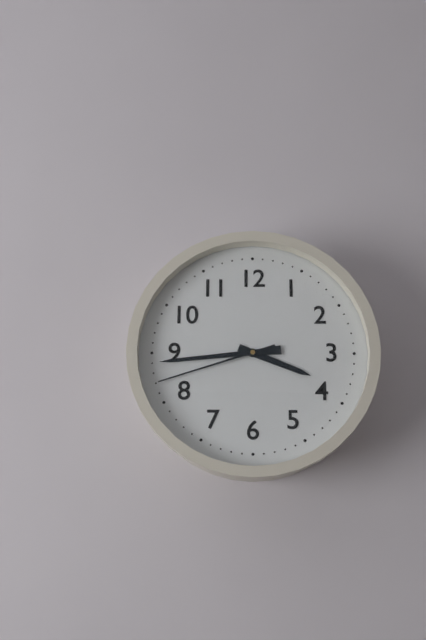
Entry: 3,44,42
